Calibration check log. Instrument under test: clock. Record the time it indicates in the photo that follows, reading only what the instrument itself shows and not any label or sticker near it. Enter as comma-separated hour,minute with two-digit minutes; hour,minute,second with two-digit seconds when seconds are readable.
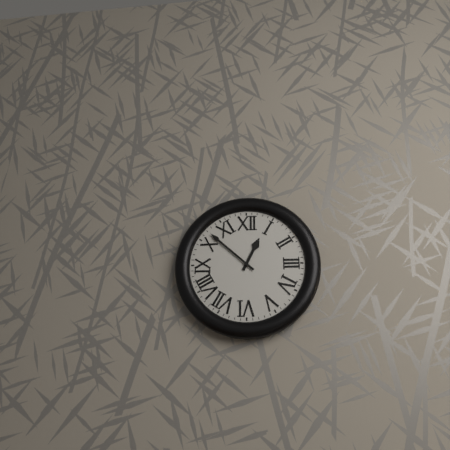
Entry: 12,52
